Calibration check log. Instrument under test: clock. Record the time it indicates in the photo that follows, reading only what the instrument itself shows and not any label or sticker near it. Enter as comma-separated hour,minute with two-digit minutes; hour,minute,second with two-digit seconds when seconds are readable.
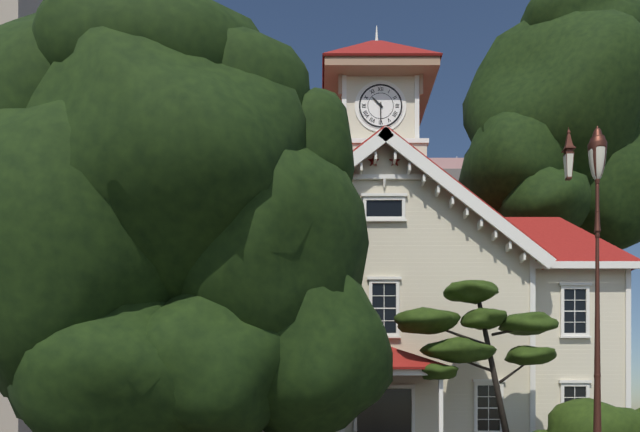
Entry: 10,30
